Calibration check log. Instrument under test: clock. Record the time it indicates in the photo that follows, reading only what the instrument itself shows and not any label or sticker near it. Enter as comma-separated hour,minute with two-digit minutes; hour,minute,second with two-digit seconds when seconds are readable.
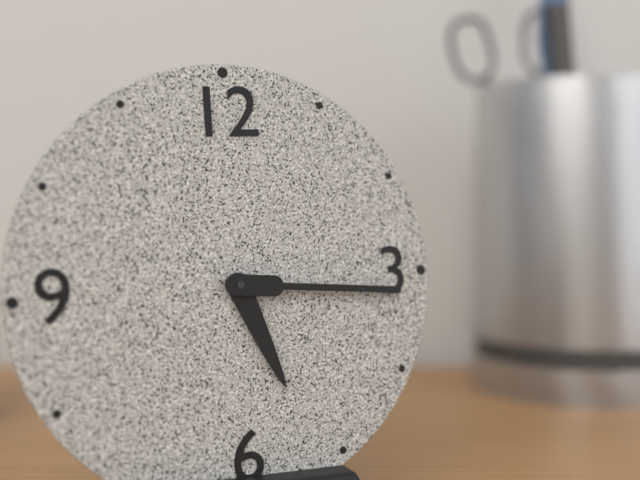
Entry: 5,16
